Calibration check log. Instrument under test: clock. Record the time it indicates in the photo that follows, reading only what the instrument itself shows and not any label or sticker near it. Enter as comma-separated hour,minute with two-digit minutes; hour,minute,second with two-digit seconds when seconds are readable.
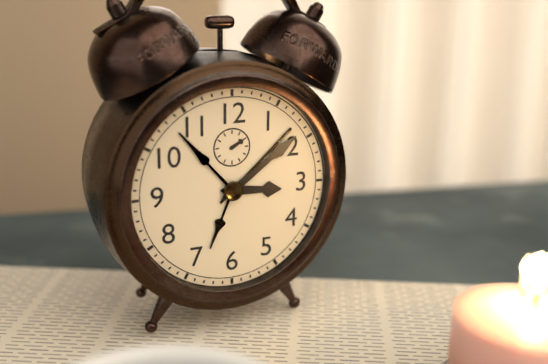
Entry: 3,09
